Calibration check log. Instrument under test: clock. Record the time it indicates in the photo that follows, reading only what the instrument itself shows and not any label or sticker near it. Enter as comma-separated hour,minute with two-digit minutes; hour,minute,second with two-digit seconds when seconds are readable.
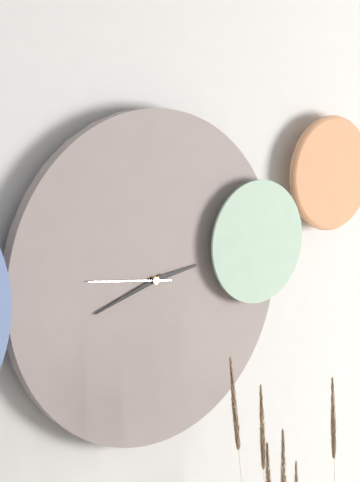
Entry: 2,42,46
